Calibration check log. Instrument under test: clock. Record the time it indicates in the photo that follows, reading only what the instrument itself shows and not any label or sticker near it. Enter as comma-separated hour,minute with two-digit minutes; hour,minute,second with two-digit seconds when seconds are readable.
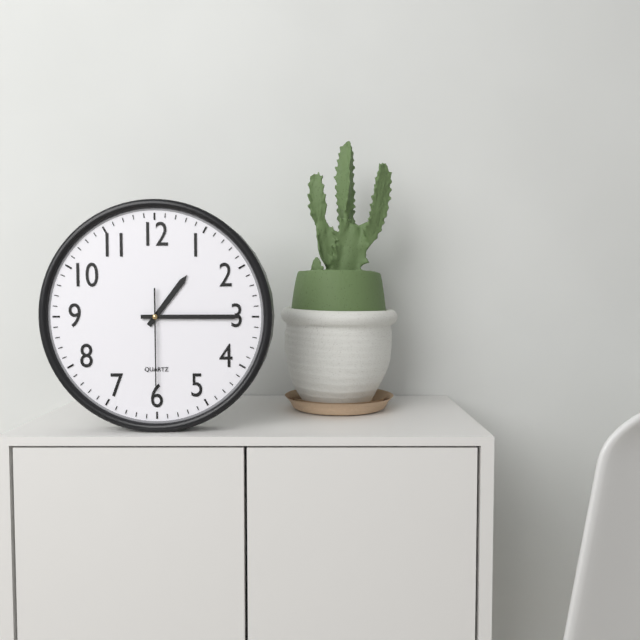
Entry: 1,15,30
